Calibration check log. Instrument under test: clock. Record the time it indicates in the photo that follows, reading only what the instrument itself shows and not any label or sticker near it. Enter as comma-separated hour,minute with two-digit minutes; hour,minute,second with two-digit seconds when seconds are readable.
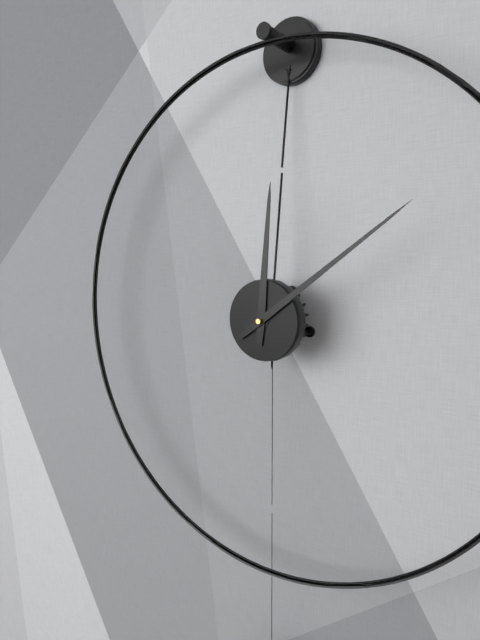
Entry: 12,09
